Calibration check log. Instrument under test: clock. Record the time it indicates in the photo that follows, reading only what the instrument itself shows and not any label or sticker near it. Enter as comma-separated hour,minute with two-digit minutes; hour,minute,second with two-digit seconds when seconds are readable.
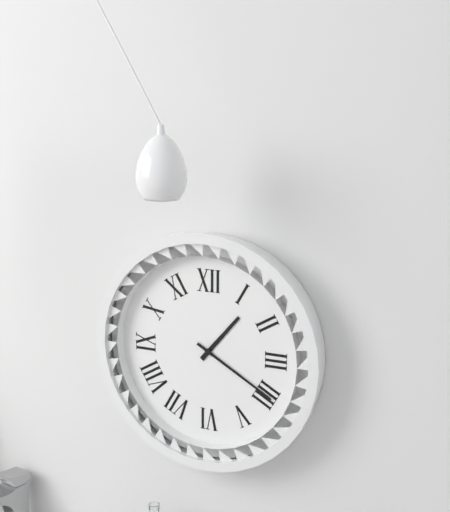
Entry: 1,20
